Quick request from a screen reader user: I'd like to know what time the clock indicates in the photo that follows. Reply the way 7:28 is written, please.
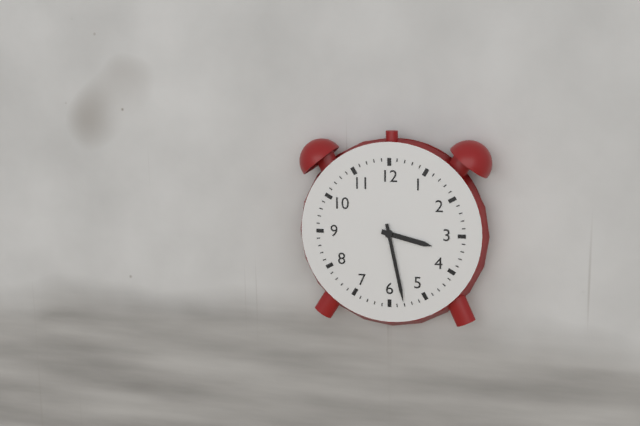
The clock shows 3:28
